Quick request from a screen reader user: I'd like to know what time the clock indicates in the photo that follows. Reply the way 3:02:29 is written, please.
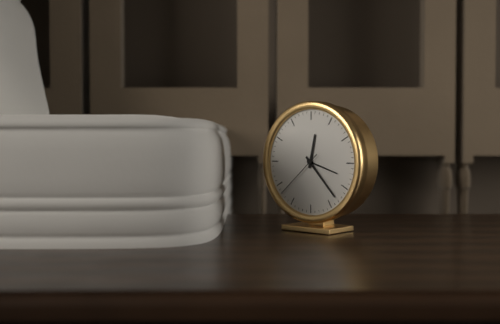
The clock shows 12:23:38
